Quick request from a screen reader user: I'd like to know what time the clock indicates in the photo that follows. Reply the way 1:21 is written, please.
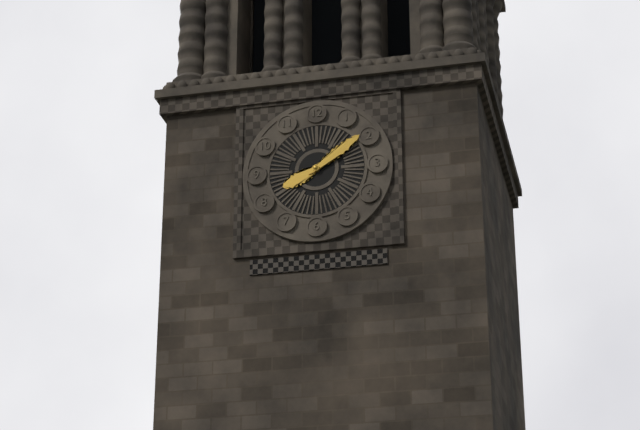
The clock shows 8:09
